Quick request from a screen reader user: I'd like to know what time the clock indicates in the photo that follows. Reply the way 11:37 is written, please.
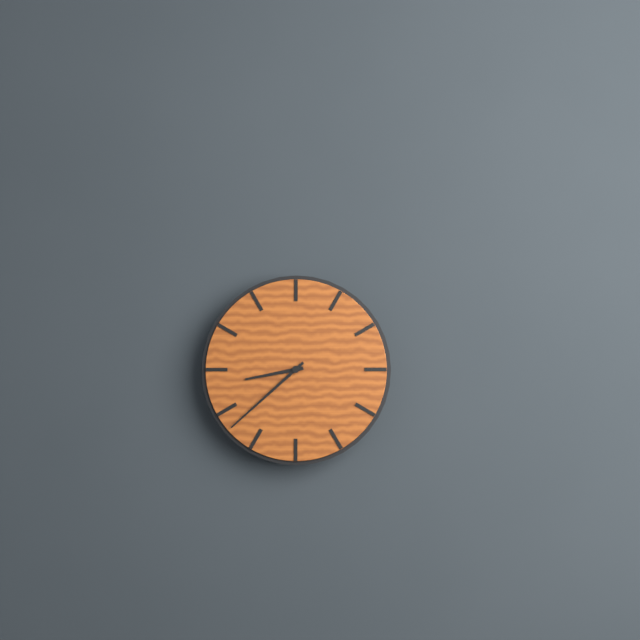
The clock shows 8:38
